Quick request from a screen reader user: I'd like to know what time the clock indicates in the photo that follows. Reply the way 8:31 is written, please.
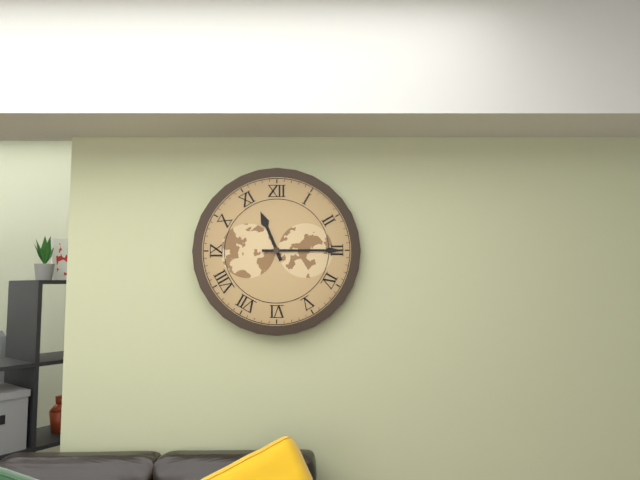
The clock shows 11:15
